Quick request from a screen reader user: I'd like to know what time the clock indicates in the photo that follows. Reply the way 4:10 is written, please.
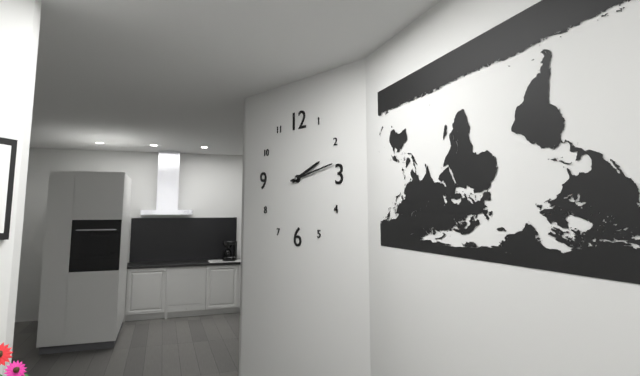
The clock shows 2:13
